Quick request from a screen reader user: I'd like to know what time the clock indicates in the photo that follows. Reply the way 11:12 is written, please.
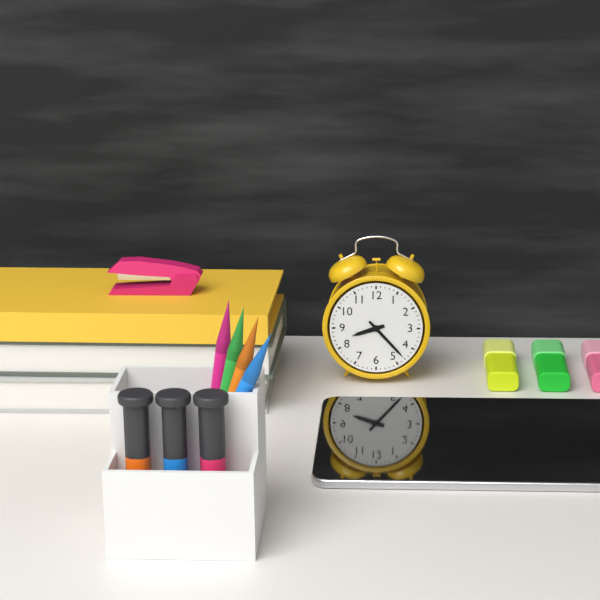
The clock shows 8:23
